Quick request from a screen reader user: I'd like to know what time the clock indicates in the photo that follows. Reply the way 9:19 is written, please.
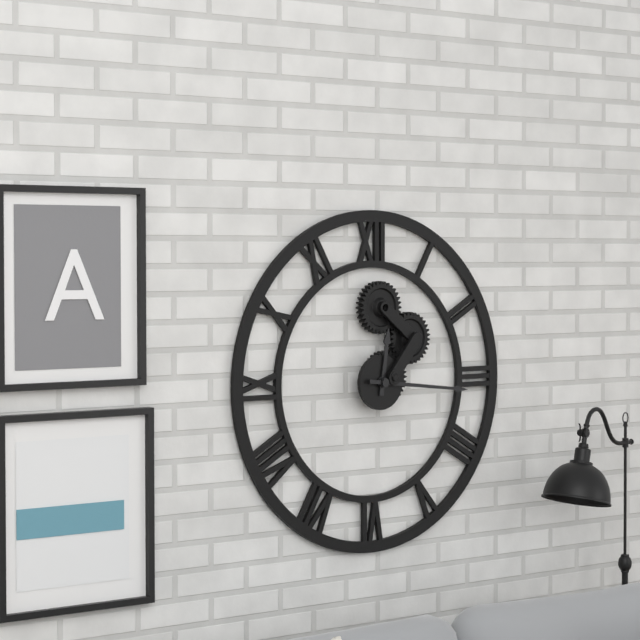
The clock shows 12:16
